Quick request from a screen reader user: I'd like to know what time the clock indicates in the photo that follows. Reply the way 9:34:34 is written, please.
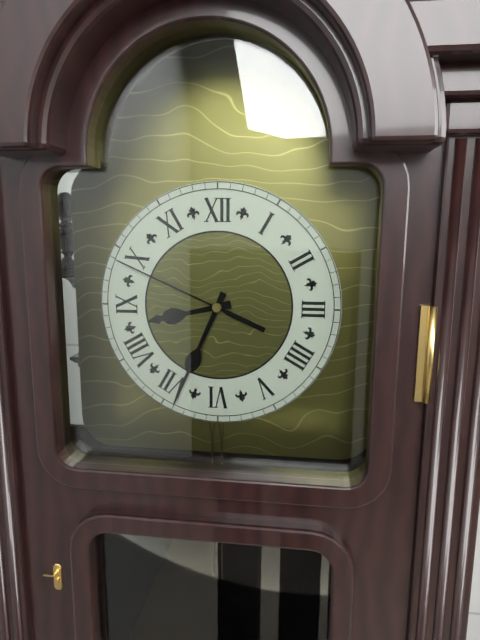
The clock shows 8:34:49
